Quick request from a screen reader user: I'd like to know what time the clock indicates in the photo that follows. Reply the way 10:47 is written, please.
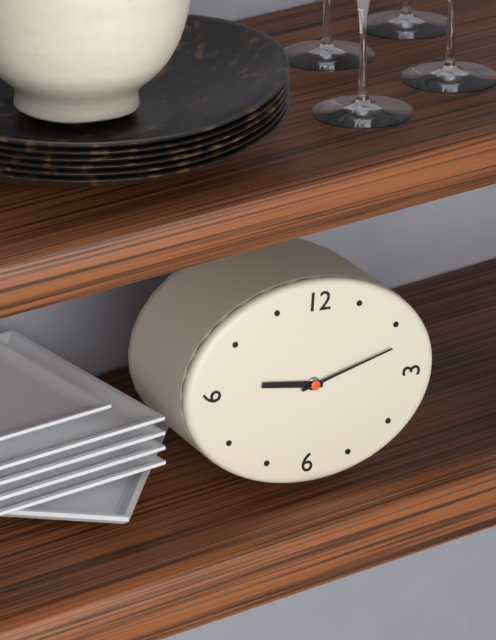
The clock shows 9:12
